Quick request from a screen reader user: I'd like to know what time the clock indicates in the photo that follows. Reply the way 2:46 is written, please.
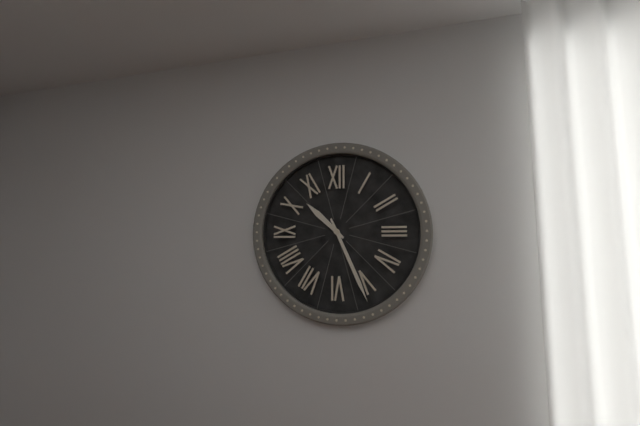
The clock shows 10:26
